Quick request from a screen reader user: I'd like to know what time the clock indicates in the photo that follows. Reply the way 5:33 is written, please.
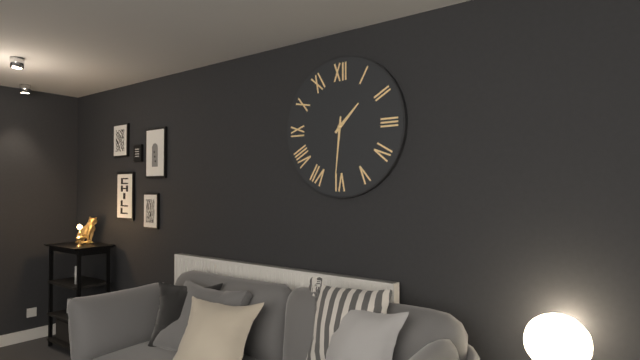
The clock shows 1:31
